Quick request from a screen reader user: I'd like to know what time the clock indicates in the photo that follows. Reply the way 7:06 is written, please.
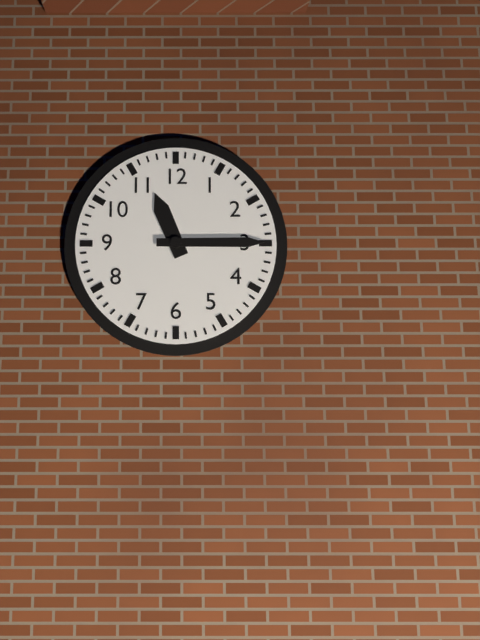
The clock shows 11:15
